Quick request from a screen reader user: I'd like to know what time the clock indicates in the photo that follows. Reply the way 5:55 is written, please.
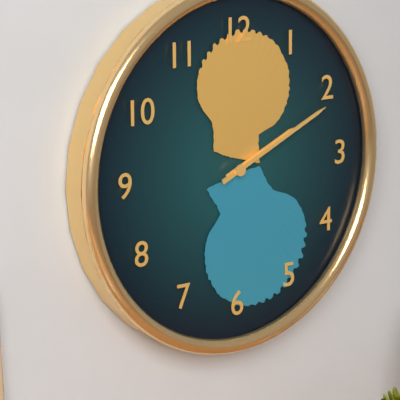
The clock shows 2:11
